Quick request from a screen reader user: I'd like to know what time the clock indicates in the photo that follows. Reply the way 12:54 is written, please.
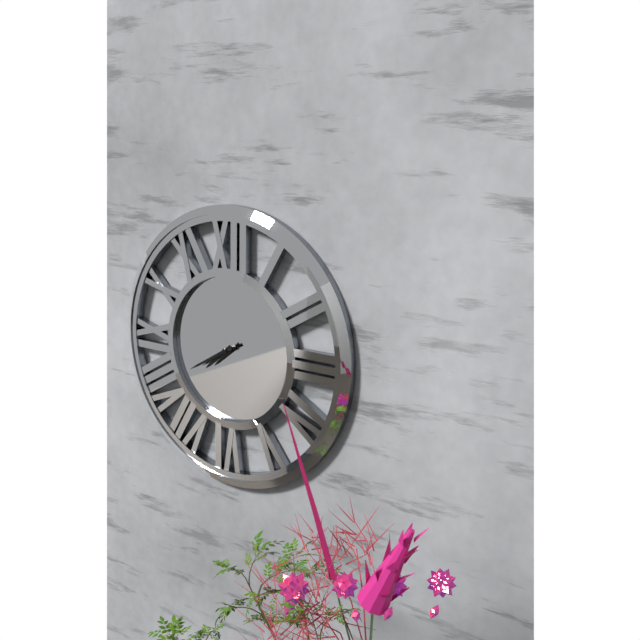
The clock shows 7:40
